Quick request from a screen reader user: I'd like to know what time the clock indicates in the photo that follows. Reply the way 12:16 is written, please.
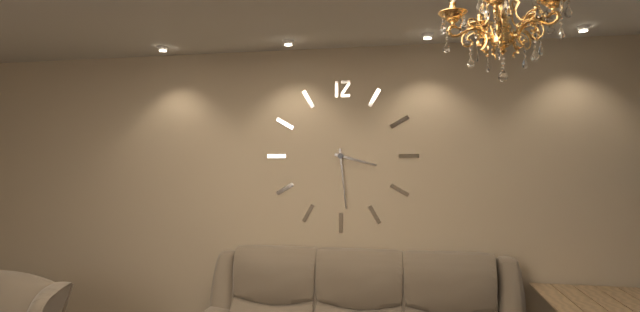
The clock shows 3:29
